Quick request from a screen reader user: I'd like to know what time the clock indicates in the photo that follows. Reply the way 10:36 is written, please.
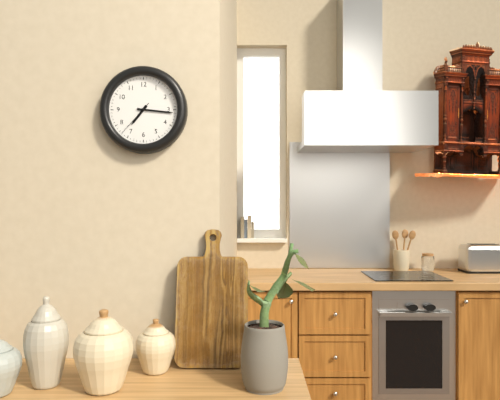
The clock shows 7:16
